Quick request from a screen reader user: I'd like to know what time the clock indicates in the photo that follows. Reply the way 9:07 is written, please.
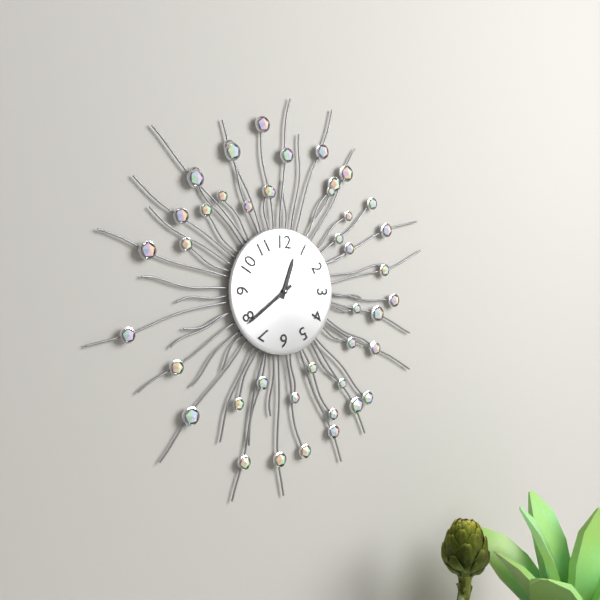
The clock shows 12:39
